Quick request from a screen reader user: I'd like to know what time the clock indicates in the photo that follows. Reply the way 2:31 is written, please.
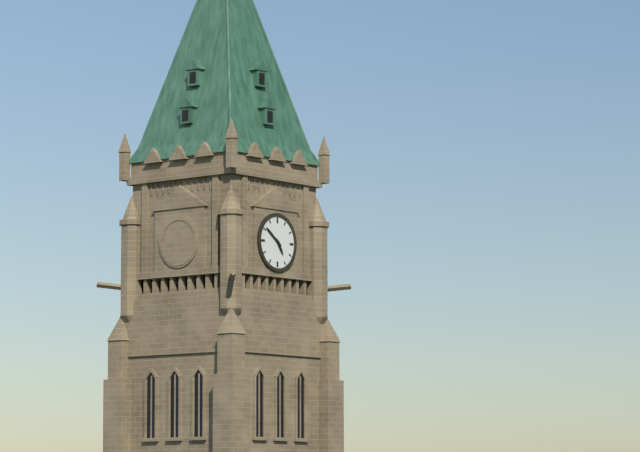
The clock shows 4:51
